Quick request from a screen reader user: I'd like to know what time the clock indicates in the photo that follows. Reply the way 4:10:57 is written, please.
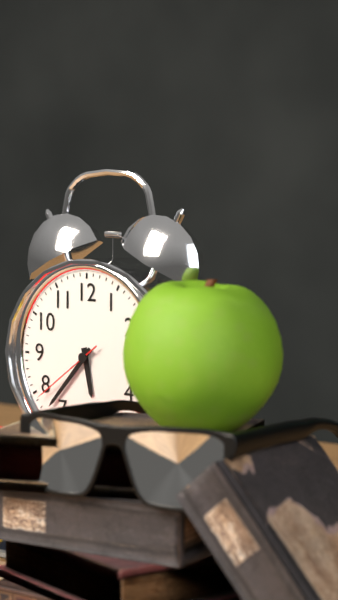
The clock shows 5:37:39
